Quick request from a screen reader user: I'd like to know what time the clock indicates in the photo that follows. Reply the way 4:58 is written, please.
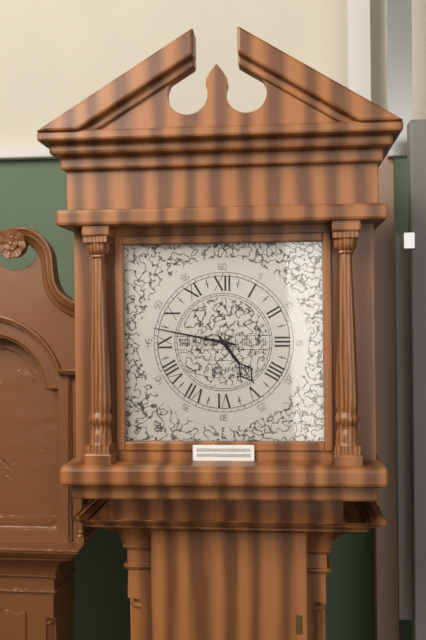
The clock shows 4:47
